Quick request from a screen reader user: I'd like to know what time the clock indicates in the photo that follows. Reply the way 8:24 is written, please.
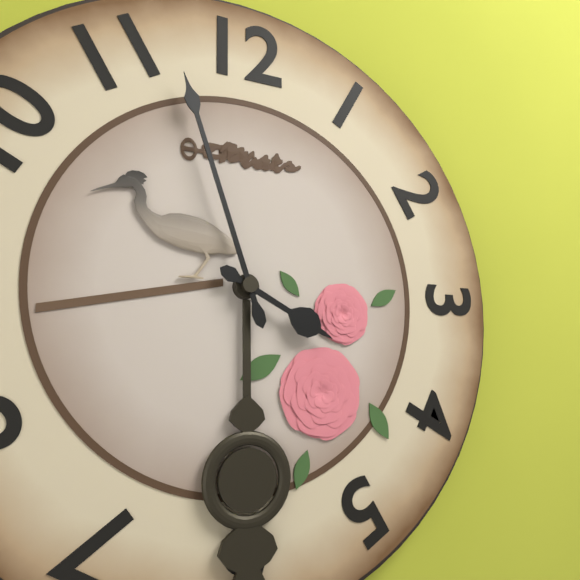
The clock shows 3:57
